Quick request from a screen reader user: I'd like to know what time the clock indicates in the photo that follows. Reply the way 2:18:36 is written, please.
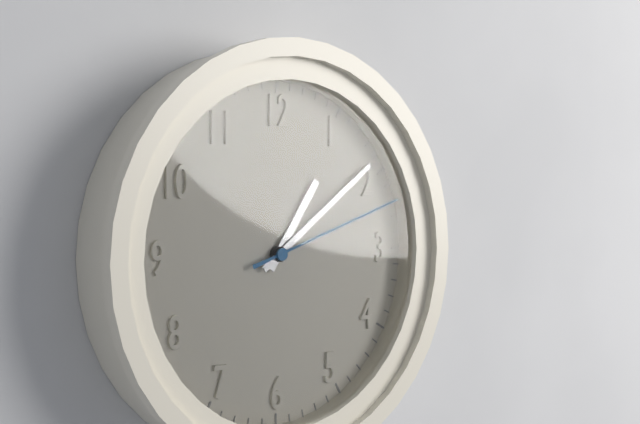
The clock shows 1:09:12
